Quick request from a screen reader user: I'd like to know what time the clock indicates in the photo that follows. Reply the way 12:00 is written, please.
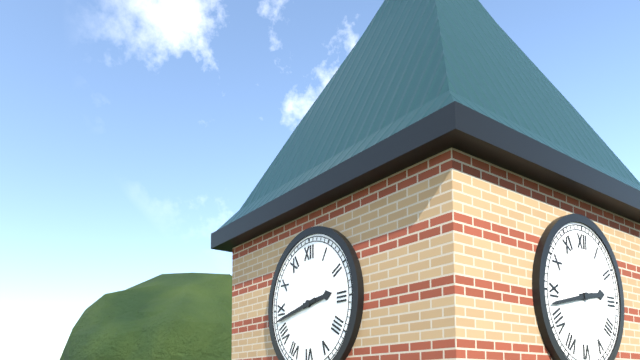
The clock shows 2:43
